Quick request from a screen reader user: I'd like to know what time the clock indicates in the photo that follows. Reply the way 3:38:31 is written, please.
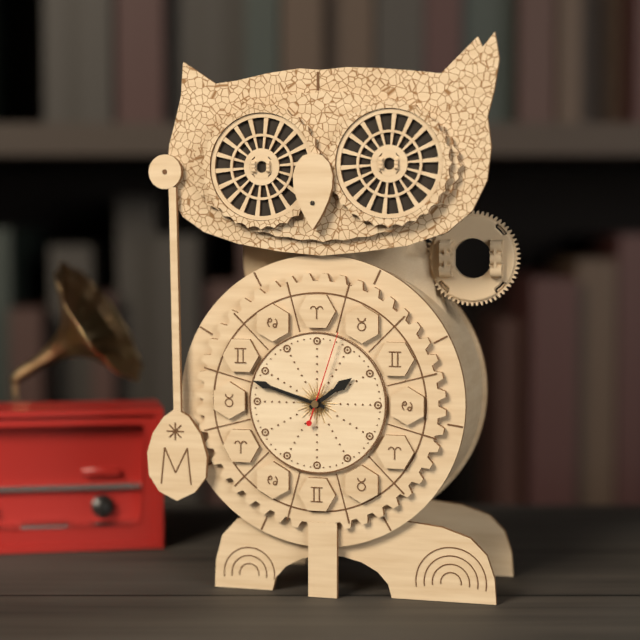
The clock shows 1:48:03
